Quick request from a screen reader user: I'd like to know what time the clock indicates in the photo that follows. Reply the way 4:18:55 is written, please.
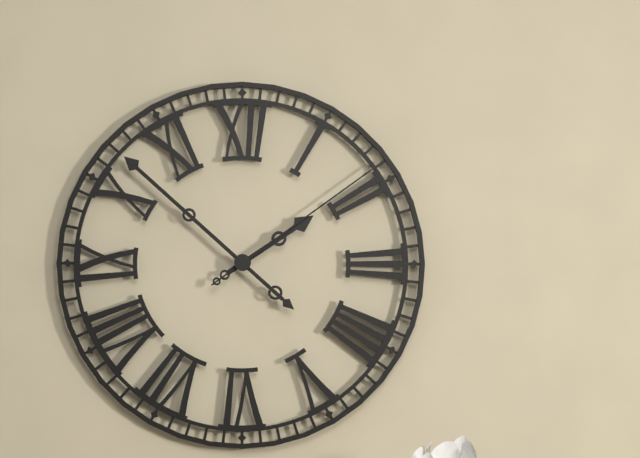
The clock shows 1:52:09
